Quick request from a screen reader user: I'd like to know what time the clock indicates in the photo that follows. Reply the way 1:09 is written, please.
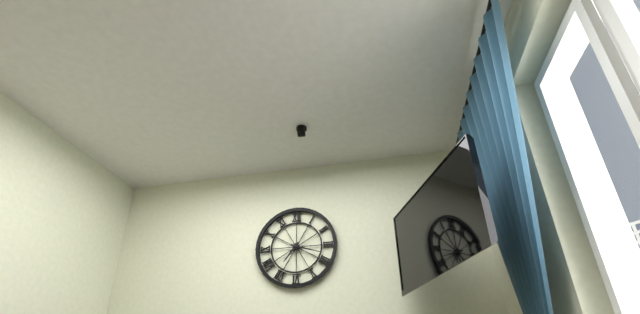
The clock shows 7:18
